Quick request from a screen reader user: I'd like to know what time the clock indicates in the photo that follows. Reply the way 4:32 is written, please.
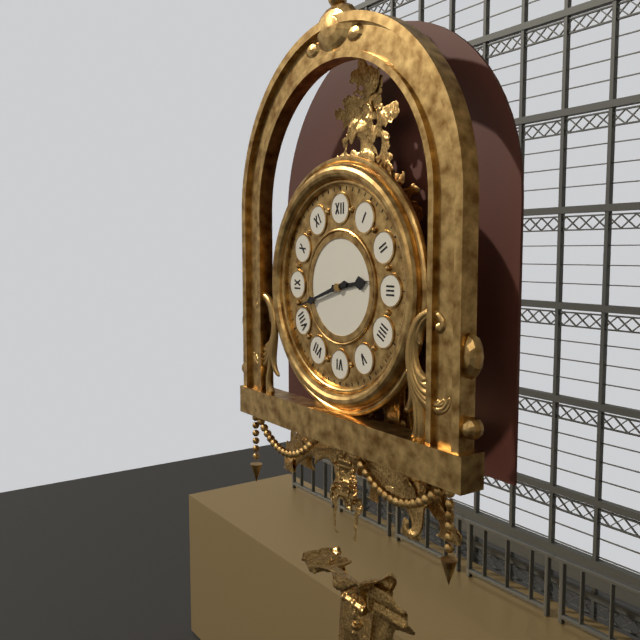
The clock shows 2:42
